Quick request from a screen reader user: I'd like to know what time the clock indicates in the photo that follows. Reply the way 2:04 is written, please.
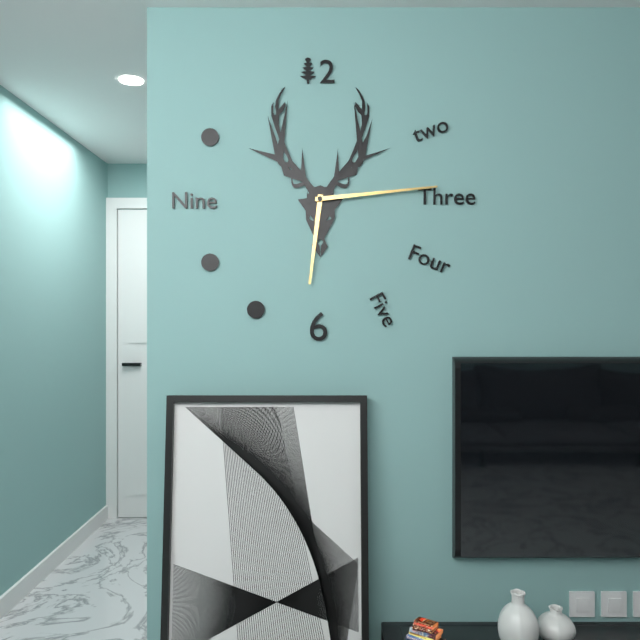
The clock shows 6:14
